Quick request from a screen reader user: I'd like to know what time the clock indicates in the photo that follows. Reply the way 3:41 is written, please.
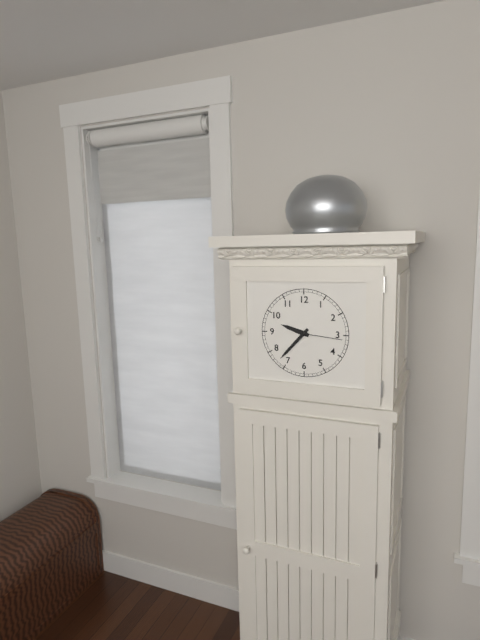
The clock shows 9:37
